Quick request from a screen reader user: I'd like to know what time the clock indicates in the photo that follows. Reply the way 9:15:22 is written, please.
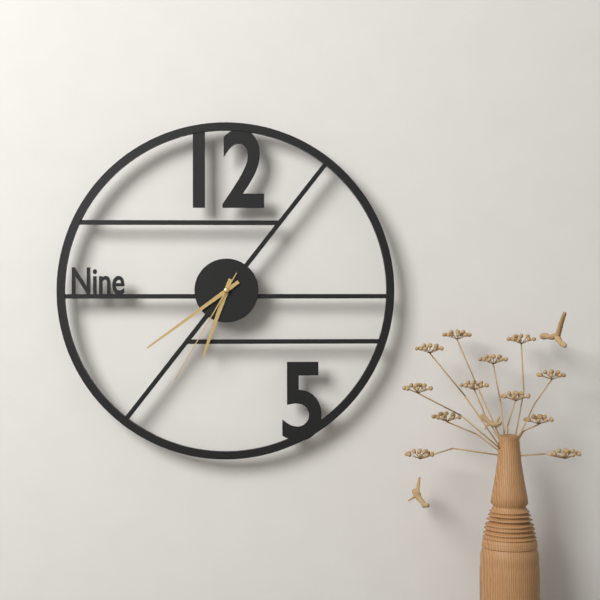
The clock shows 6:39:35
